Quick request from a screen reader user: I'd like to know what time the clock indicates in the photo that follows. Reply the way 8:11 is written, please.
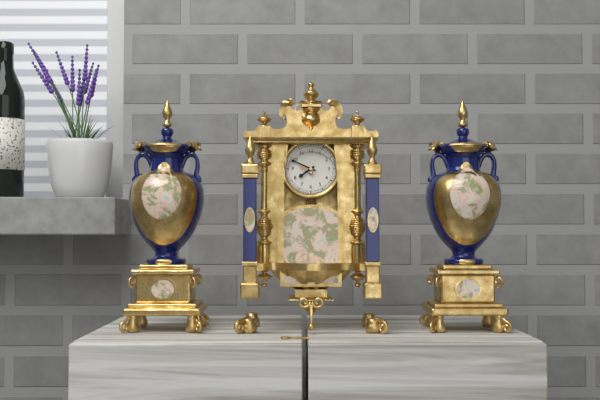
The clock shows 7:49
